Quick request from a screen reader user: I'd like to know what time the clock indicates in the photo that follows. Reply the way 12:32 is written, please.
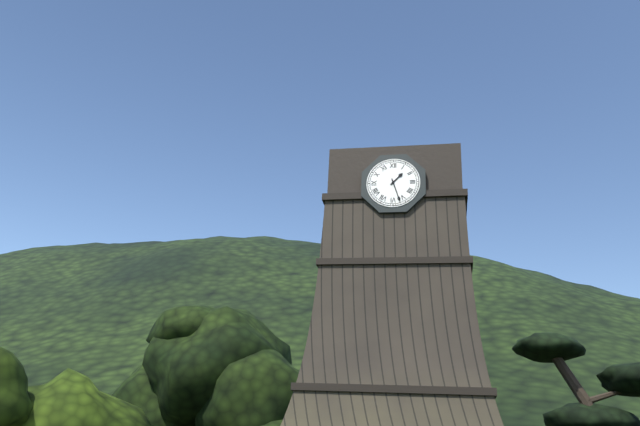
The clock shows 1:27
